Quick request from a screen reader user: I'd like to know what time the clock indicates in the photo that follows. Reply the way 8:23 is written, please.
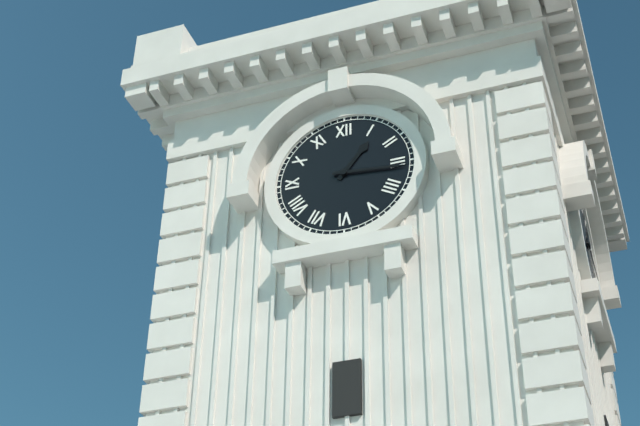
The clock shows 1:16
